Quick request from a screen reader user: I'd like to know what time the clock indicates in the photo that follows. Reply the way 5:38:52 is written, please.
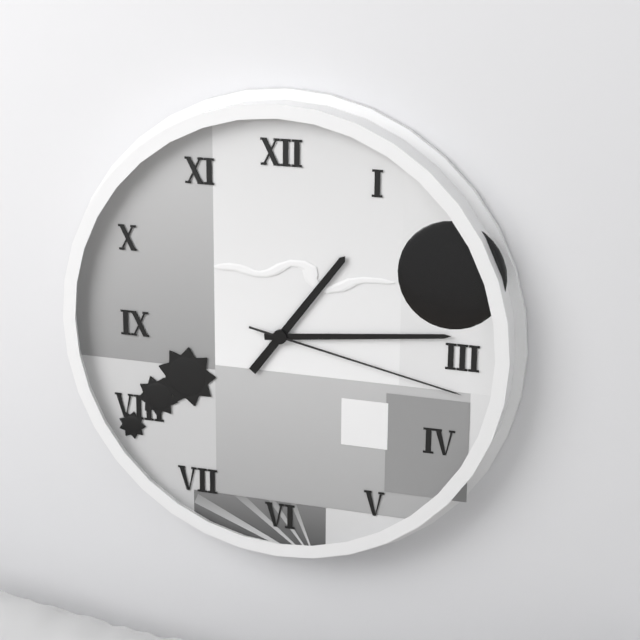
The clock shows 1:14:17
